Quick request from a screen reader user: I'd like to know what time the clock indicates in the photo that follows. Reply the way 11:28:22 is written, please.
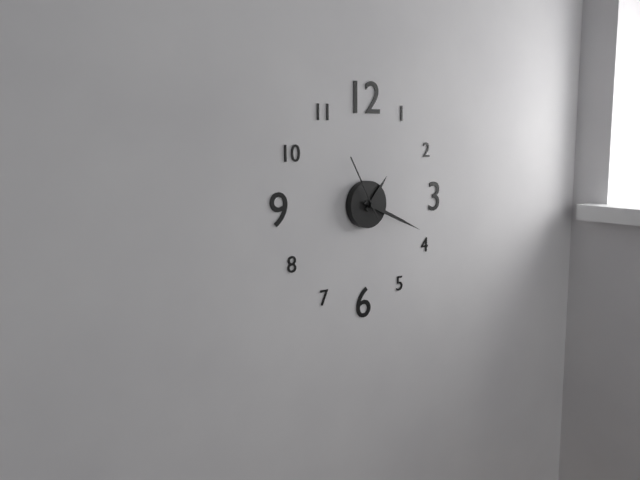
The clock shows 1:19:55
